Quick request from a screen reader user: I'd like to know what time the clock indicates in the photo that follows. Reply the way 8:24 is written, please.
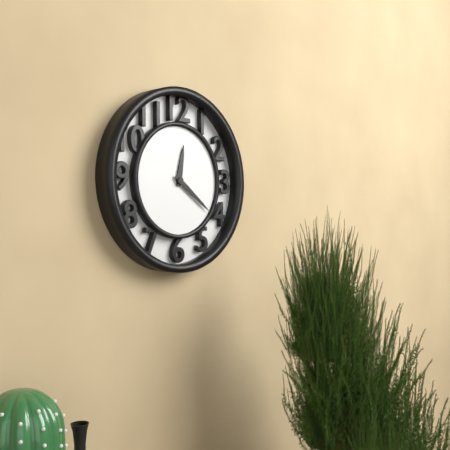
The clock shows 12:21
